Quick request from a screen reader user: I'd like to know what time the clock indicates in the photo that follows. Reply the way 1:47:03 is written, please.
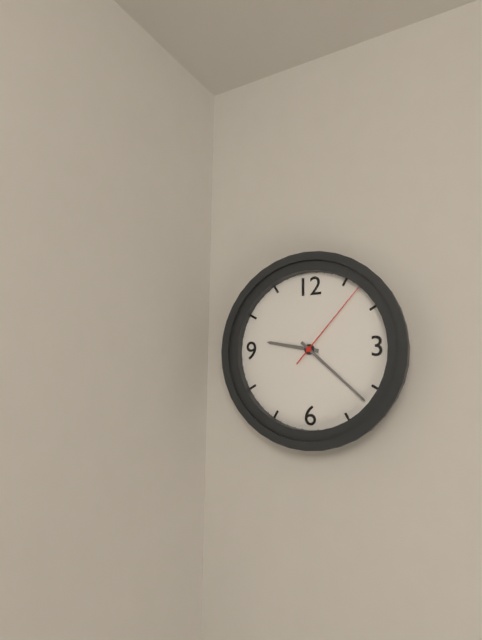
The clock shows 9:22:07
